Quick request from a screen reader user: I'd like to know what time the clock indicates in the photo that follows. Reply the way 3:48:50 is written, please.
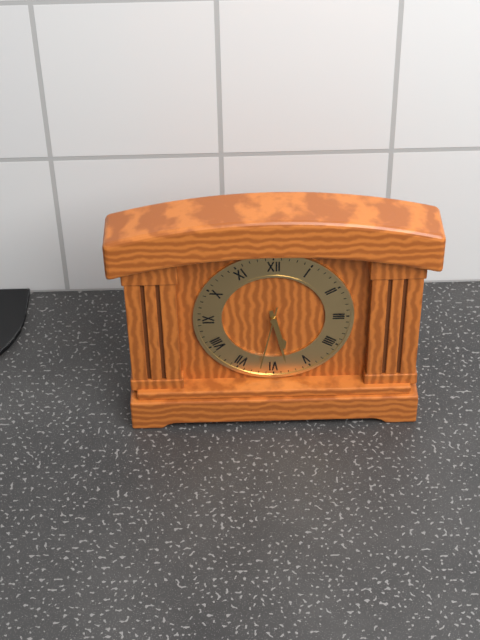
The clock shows 5:28:32
